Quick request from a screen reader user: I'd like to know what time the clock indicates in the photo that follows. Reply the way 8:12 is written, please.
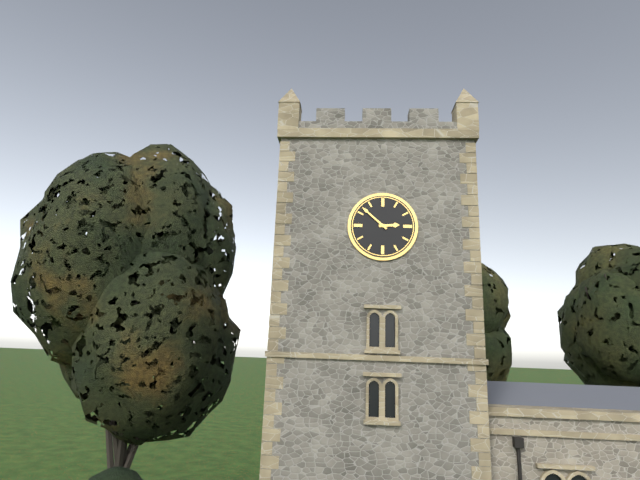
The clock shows 2:52
